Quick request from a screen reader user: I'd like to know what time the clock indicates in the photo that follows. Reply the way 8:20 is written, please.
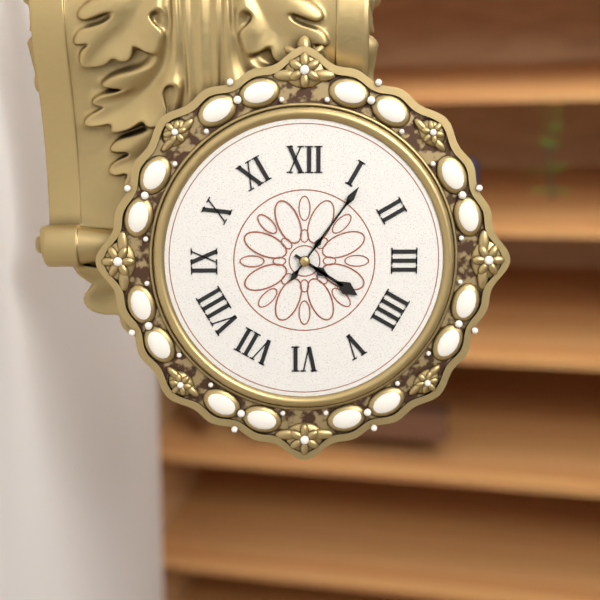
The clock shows 4:06
